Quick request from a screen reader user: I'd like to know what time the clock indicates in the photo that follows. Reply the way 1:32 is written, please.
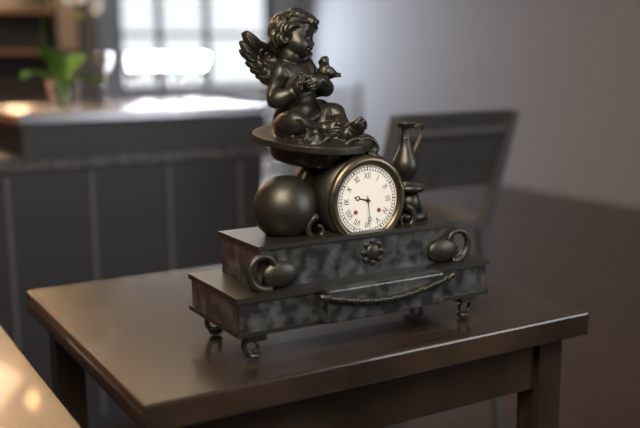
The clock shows 9:29
